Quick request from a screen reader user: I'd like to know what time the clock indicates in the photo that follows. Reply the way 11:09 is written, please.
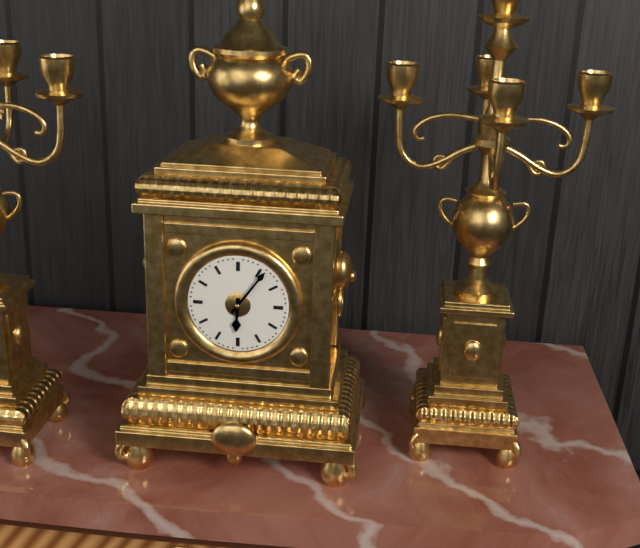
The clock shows 6:06
